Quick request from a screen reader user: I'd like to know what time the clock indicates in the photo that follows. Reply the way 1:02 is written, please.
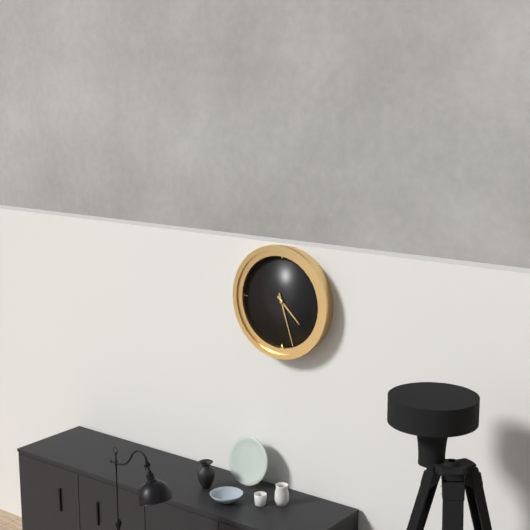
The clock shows 4:27
